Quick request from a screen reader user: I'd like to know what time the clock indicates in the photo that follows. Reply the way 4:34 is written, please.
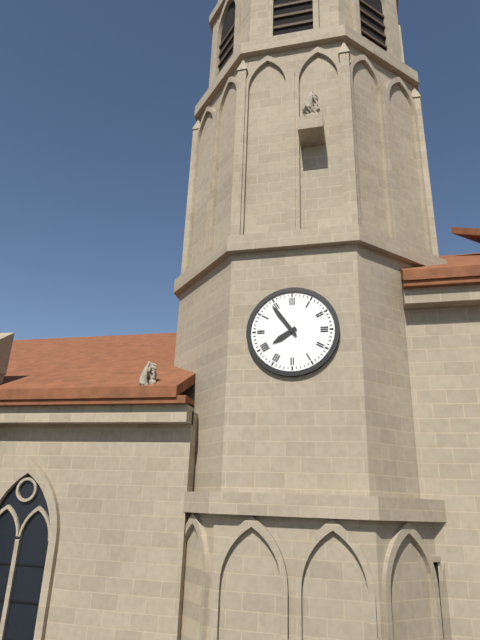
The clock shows 7:54
